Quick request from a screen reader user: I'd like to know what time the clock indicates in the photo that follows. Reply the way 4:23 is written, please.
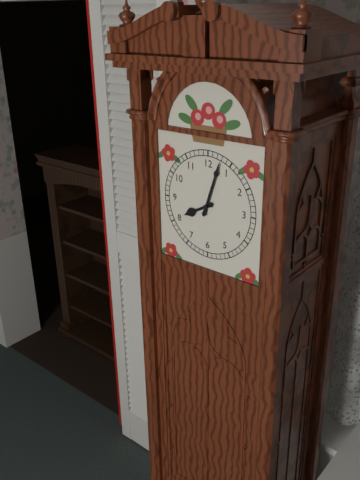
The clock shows 8:03
